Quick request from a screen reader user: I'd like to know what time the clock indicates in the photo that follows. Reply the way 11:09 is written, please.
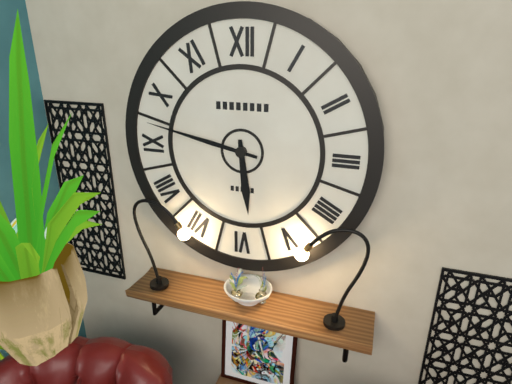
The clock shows 5:47
